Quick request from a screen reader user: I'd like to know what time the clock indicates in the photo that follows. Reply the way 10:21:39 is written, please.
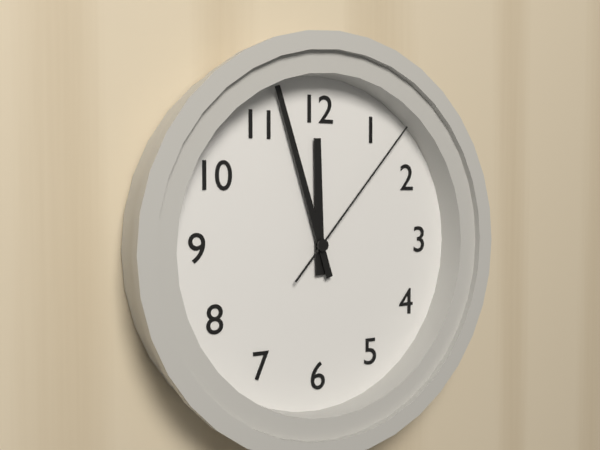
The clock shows 11:57:07
